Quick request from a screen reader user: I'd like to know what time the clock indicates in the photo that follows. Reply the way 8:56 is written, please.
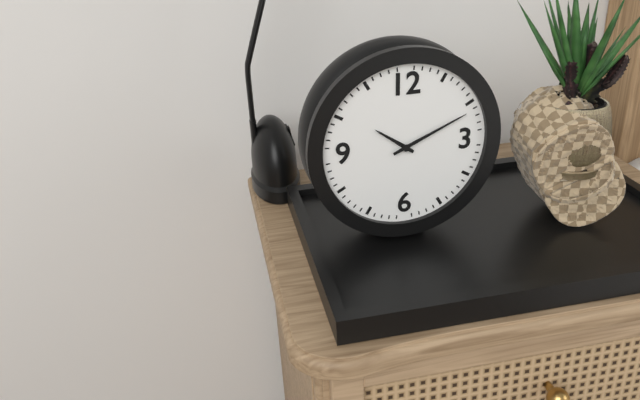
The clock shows 10:11
